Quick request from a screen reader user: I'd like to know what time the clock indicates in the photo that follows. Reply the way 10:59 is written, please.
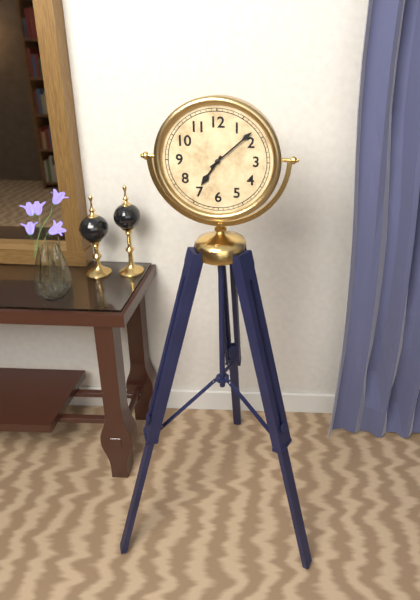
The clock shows 7:08
